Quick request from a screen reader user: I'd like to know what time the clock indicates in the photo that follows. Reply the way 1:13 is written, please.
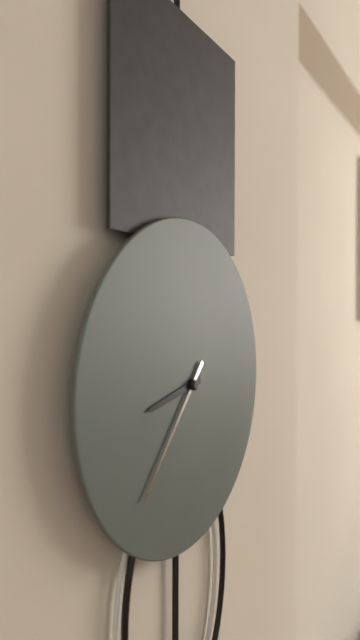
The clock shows 8:37
